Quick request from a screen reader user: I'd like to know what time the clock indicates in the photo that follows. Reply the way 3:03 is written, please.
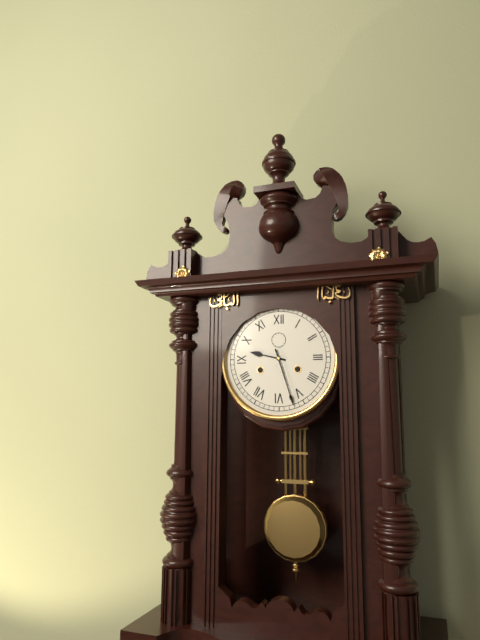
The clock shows 9:27
